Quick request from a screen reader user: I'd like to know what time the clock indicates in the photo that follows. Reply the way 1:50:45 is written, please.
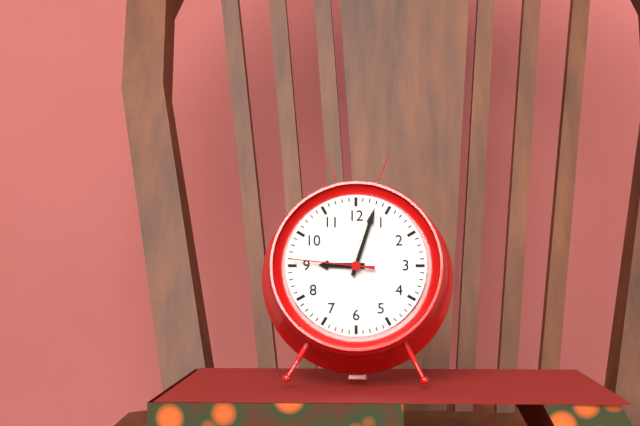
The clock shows 9:03:46
